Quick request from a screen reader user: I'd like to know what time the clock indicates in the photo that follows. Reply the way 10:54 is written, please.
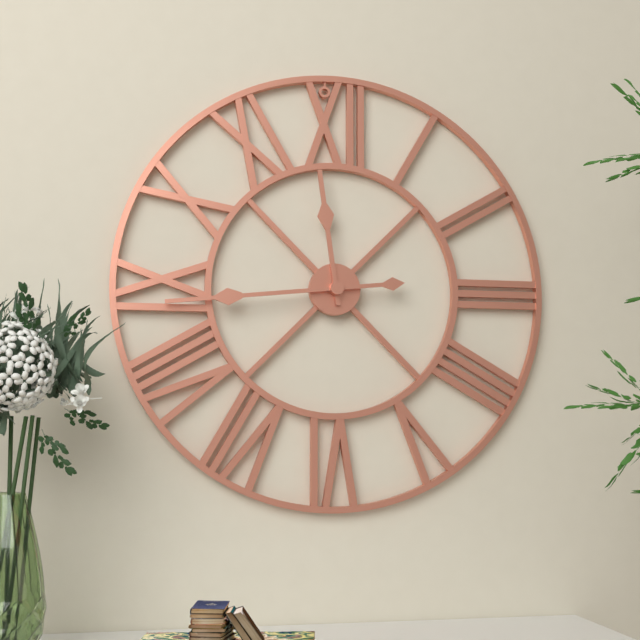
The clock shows 11:44
